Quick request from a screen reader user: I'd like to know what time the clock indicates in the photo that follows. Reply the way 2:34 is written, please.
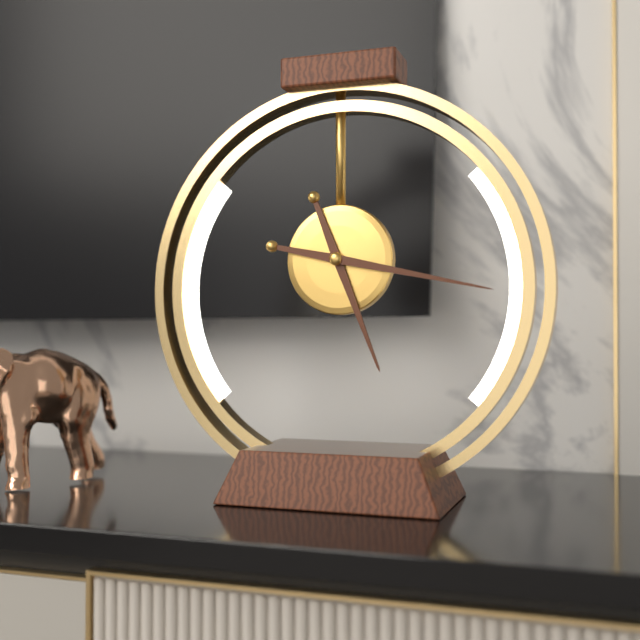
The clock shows 5:17
